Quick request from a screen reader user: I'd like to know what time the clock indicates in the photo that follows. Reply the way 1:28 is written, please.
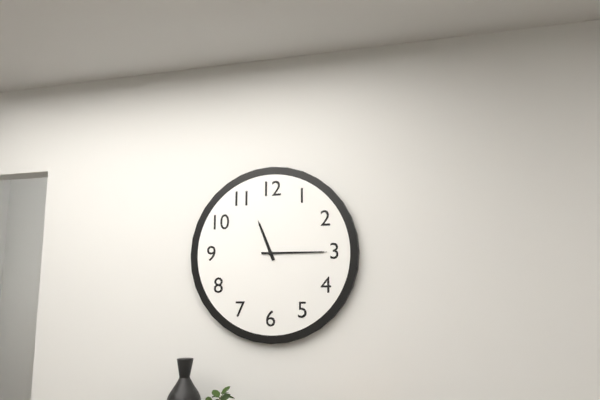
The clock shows 11:15
